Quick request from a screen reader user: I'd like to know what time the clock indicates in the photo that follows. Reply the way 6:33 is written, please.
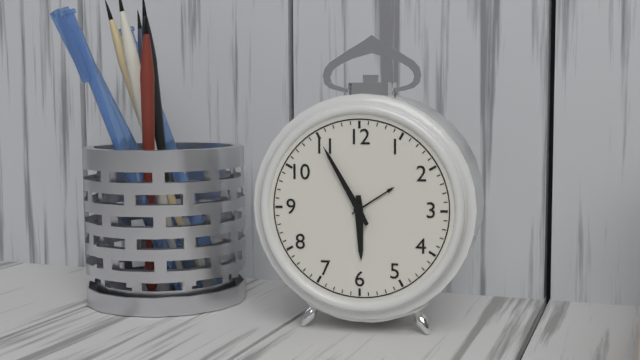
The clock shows 5:55
